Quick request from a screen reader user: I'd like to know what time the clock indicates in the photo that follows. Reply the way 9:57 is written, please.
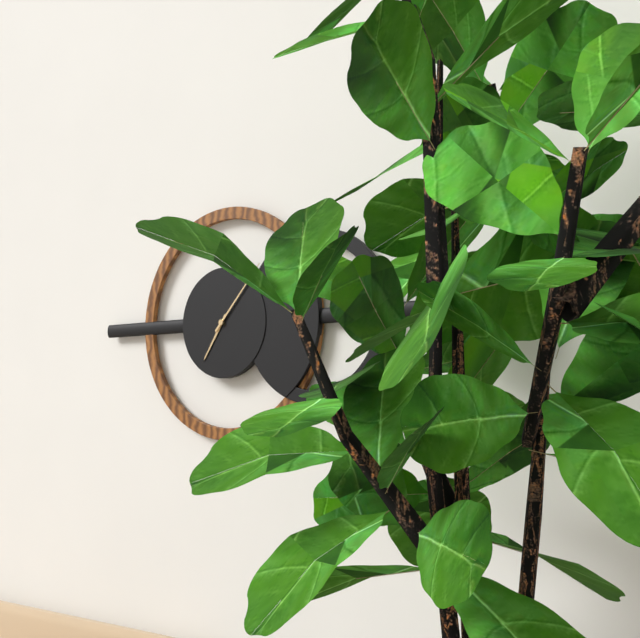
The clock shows 7:07
